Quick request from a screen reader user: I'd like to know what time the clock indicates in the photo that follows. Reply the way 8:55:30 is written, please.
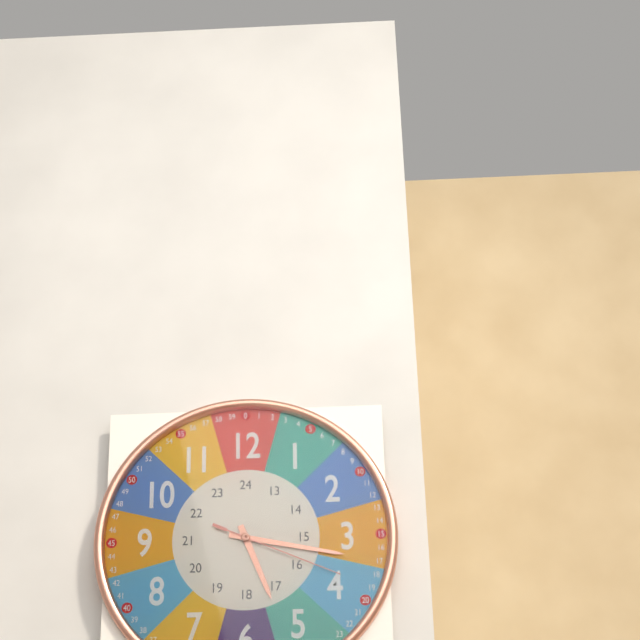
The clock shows 5:17:19
